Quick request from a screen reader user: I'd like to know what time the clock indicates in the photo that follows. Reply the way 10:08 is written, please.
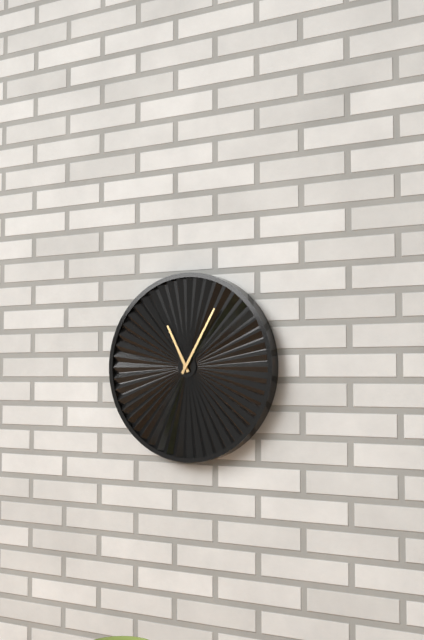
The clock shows 11:05
